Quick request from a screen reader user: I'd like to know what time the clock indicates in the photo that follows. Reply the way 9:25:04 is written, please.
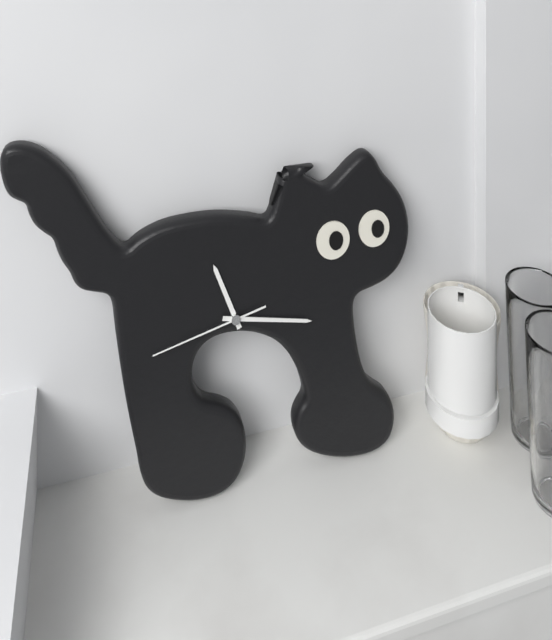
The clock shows 11:17:43
